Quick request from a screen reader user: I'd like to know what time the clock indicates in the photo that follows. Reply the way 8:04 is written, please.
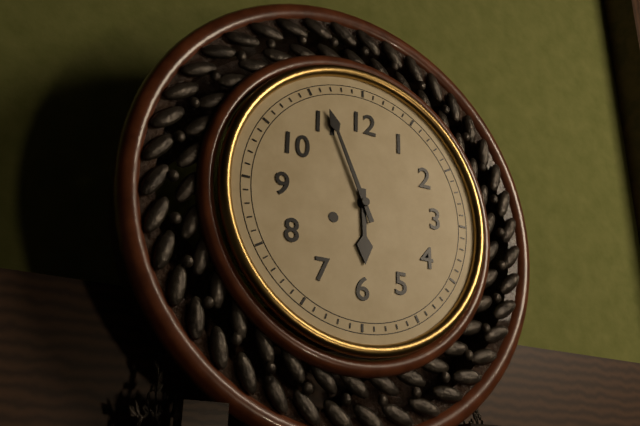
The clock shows 5:56
